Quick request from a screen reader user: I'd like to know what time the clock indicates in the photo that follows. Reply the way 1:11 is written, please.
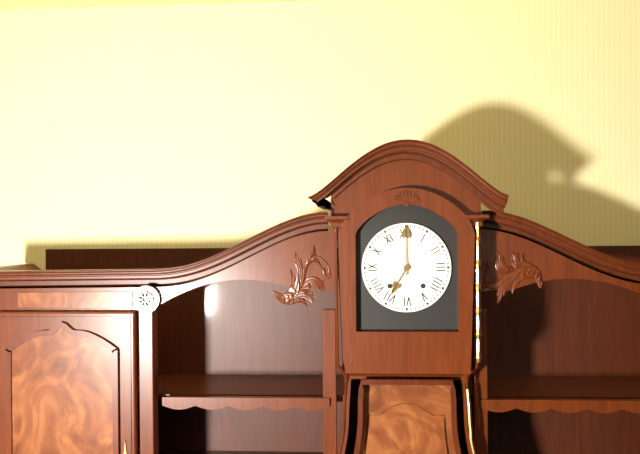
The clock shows 7:00
